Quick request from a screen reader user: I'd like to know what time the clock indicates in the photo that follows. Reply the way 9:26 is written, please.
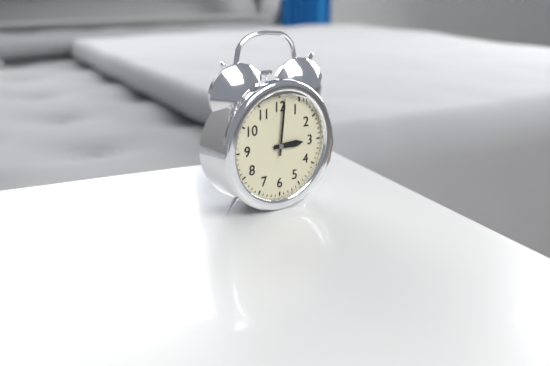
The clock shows 3:01
